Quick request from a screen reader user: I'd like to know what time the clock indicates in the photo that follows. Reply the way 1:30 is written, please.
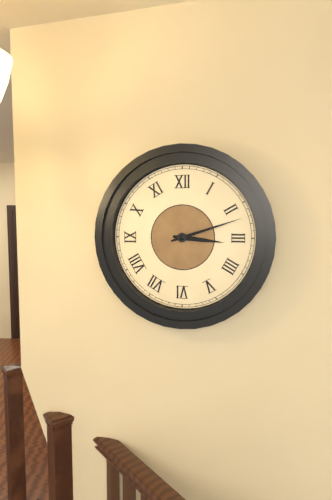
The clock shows 3:12
